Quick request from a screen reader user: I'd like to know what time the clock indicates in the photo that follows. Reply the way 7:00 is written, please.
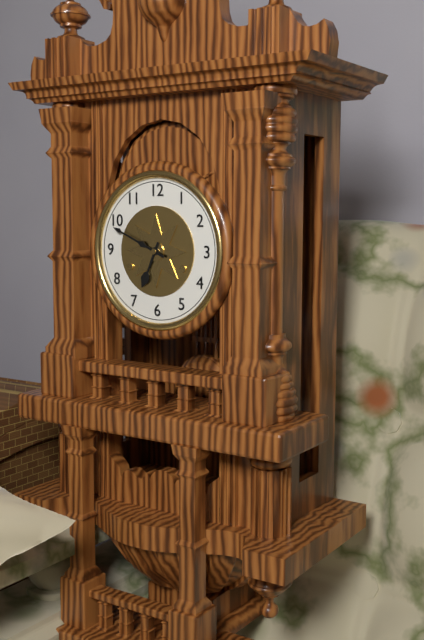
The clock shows 6:49
